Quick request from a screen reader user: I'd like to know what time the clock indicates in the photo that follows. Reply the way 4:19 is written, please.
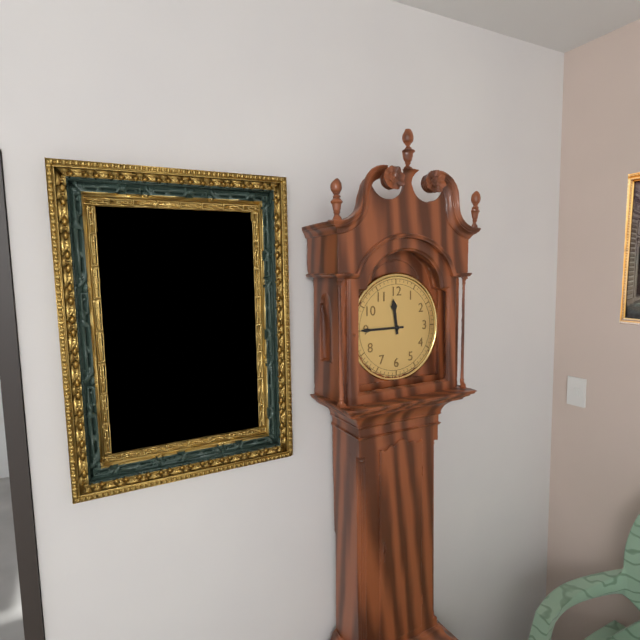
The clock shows 11:45
